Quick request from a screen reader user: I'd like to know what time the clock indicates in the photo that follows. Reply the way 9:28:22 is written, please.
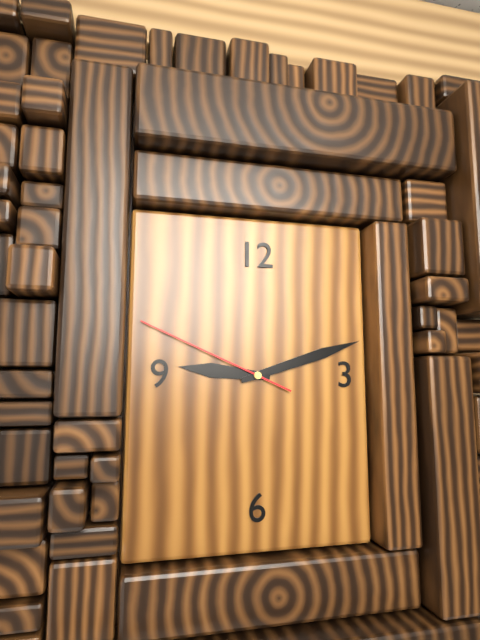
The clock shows 9:12:49
